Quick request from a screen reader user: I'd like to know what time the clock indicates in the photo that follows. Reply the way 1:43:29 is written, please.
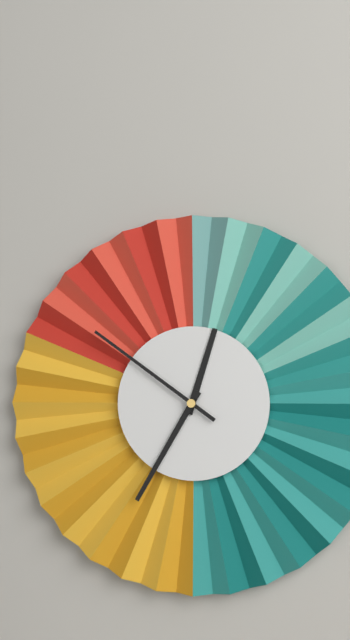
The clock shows 12:35:51
